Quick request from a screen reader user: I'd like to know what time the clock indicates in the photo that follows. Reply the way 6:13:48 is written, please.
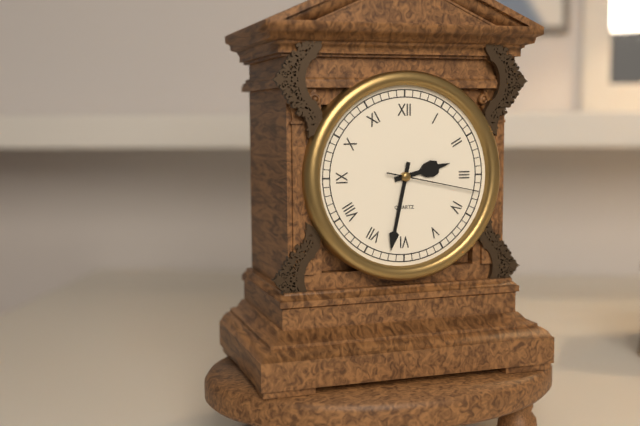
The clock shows 2:32:17
